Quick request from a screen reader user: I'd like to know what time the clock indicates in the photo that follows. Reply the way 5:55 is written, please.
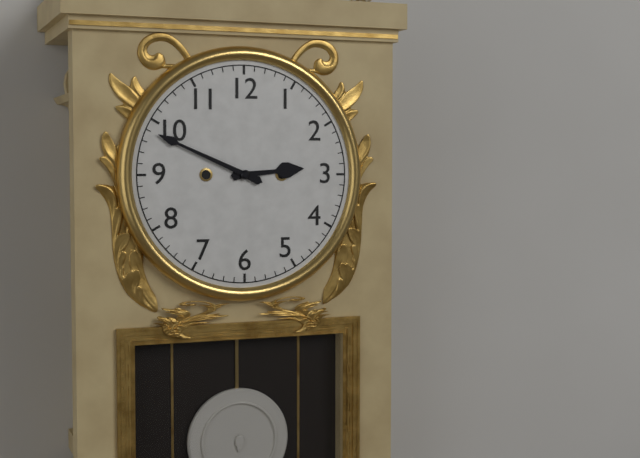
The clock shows 2:49
